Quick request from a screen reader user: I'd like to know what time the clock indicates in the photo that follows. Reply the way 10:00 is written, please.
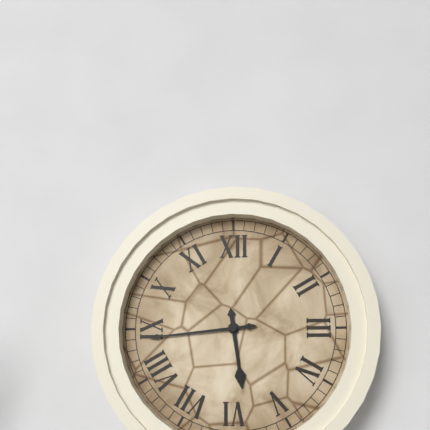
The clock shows 5:44
